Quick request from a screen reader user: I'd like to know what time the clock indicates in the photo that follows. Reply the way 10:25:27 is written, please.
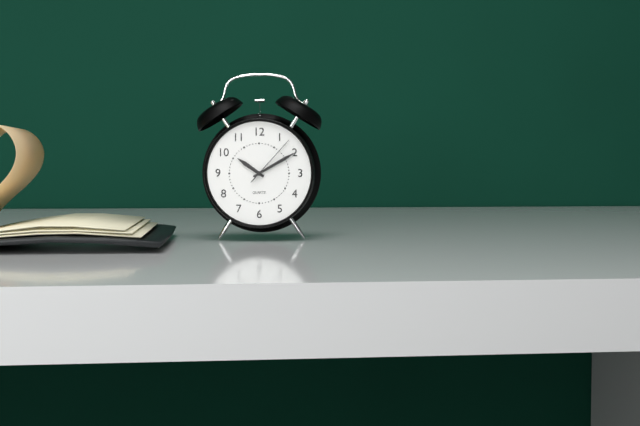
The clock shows 10:10:07
